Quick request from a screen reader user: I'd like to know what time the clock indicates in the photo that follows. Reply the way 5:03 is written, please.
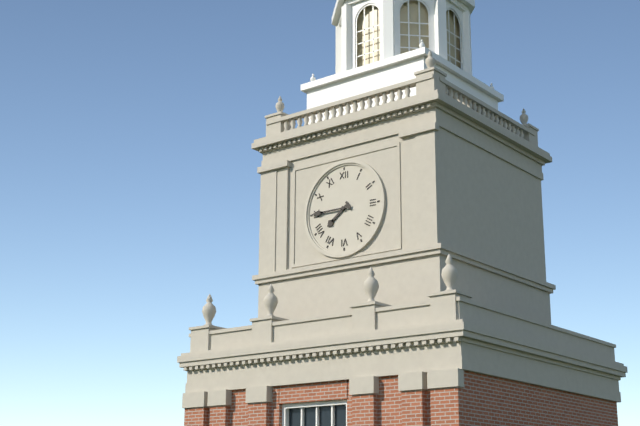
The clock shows 7:45
